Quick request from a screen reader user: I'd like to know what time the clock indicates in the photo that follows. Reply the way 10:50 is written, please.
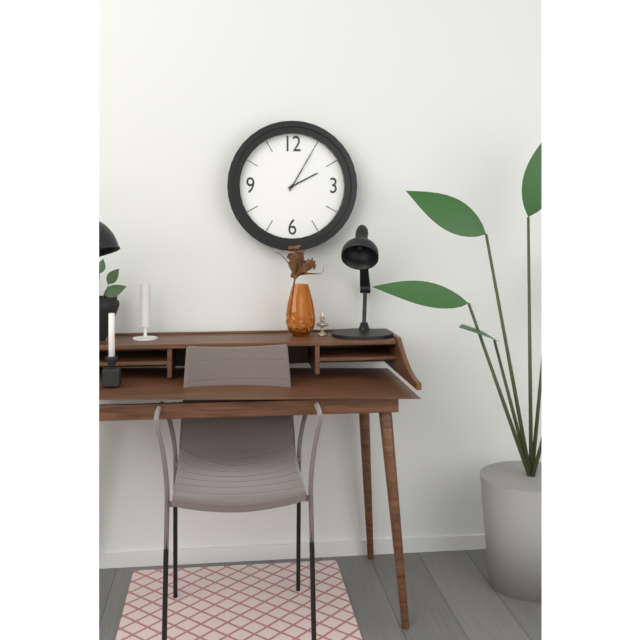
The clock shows 2:05
